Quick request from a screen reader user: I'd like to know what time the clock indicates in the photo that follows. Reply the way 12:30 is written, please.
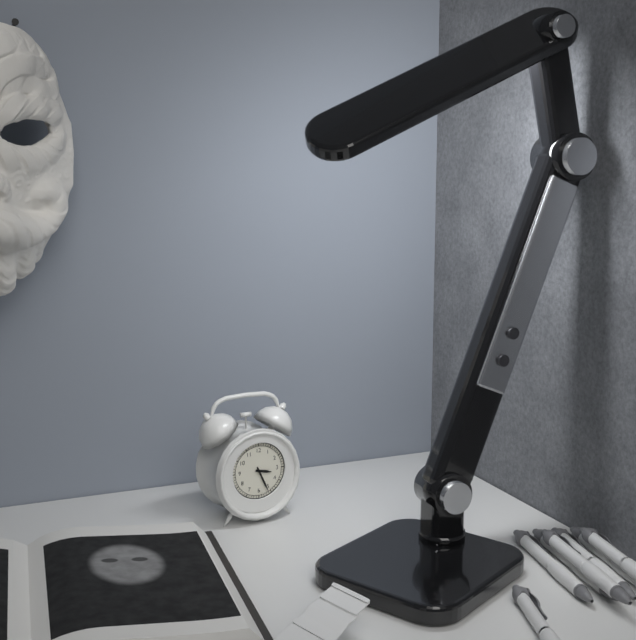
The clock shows 3:26
